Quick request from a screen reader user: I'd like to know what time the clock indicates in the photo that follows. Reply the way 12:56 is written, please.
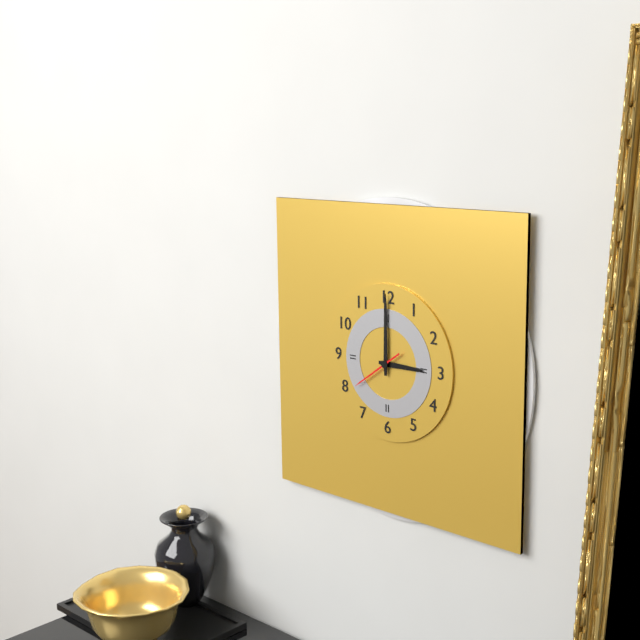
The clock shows 3:00
